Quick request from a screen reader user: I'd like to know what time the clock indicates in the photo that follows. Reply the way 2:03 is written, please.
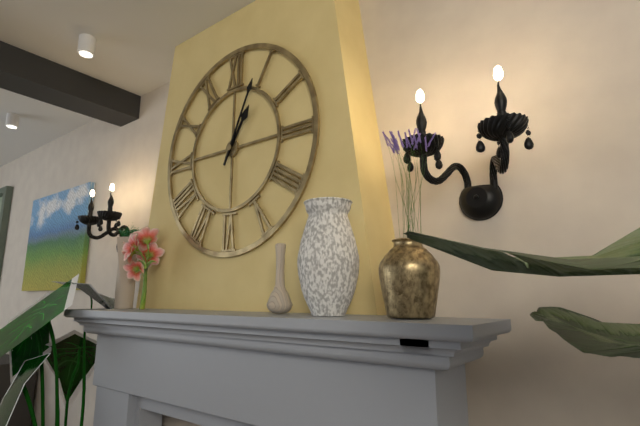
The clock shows 1:04
